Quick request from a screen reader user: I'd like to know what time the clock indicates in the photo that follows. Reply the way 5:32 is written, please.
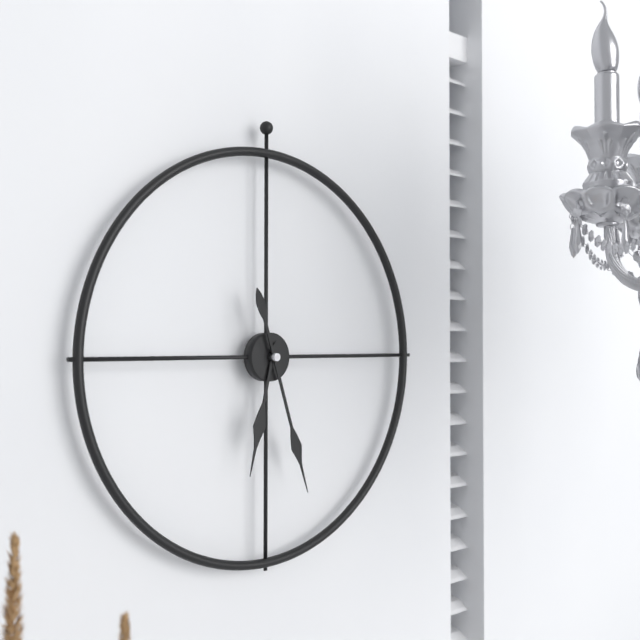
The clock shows 6:27
